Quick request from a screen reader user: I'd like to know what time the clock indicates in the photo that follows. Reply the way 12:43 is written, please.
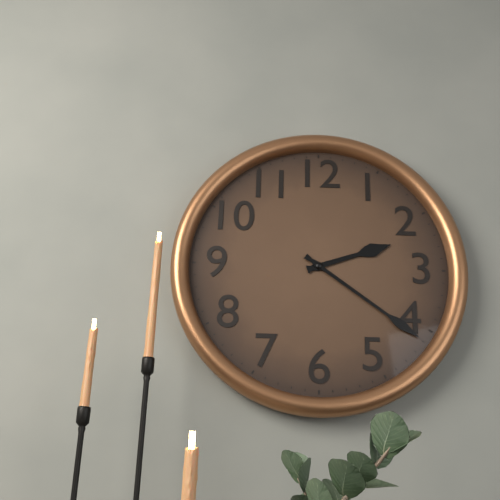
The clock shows 2:21
